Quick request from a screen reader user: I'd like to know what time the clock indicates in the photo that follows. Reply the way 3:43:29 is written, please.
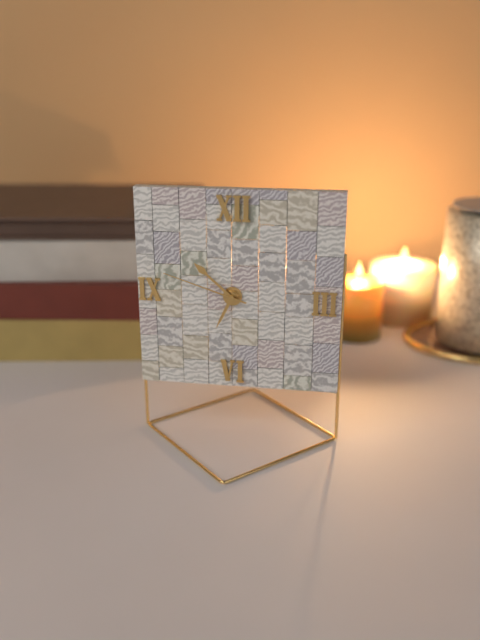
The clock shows 6:52:48
